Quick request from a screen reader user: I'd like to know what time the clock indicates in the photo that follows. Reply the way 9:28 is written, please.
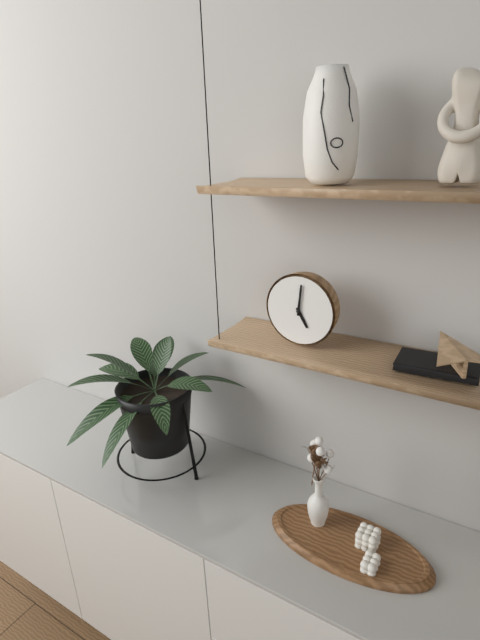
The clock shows 5:01
